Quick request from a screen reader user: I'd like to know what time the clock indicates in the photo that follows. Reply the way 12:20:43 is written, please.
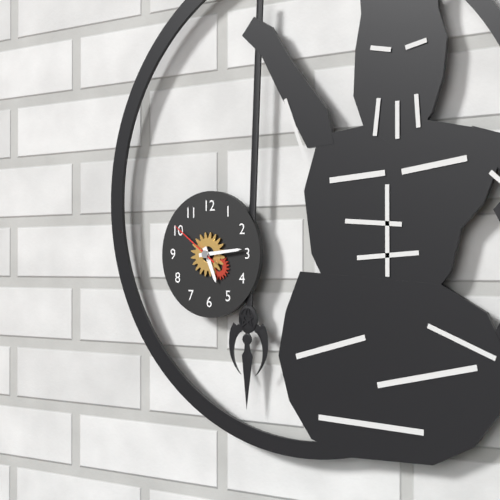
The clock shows 5:14:51
